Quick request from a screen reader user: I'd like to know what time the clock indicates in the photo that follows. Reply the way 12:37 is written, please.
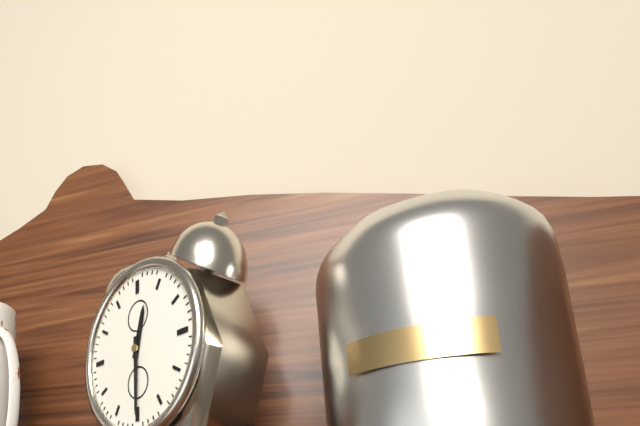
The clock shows 12:30
